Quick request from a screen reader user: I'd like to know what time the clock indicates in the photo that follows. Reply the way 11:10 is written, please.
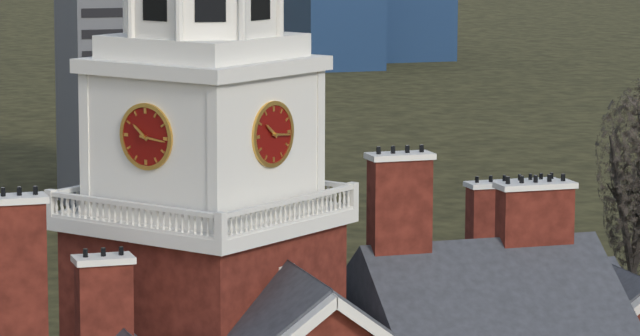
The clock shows 10:16
